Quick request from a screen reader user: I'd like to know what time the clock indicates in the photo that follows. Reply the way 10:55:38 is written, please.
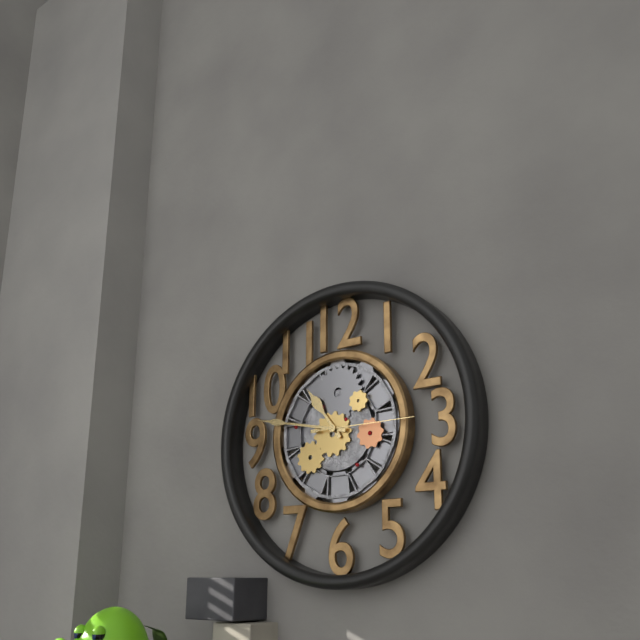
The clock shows 10:47:15
